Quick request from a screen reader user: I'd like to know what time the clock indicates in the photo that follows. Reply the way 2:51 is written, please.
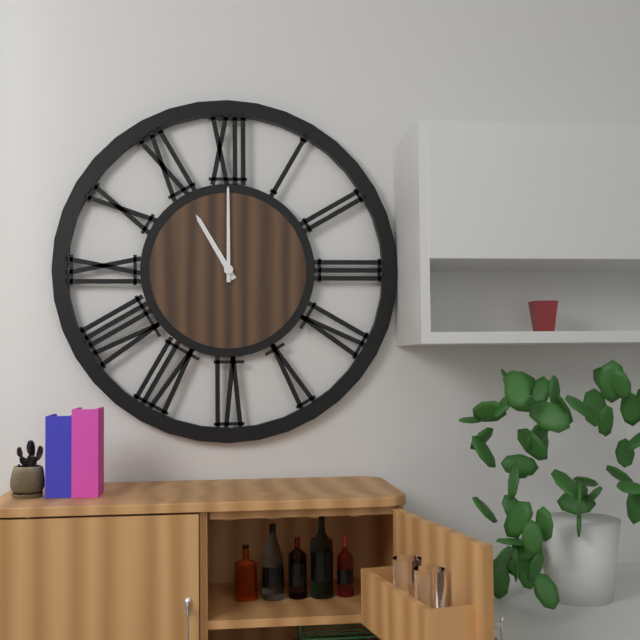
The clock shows 11:00
